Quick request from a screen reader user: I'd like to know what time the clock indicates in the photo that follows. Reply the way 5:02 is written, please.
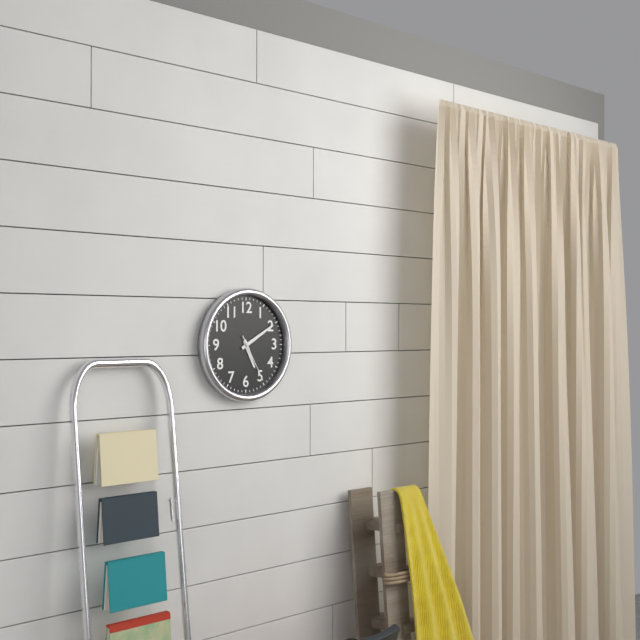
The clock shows 5:10
